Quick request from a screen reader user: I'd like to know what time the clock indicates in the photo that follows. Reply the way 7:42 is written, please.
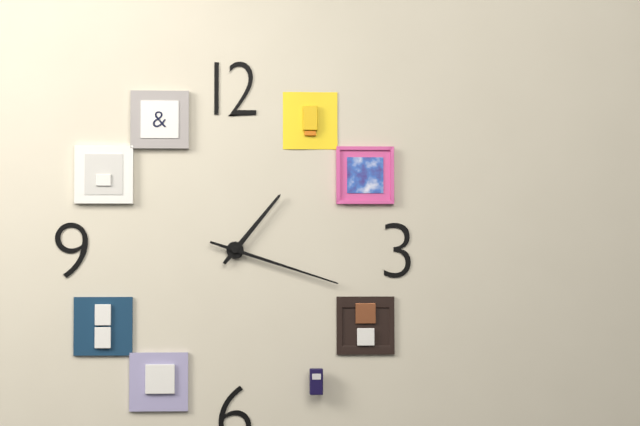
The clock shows 1:18
